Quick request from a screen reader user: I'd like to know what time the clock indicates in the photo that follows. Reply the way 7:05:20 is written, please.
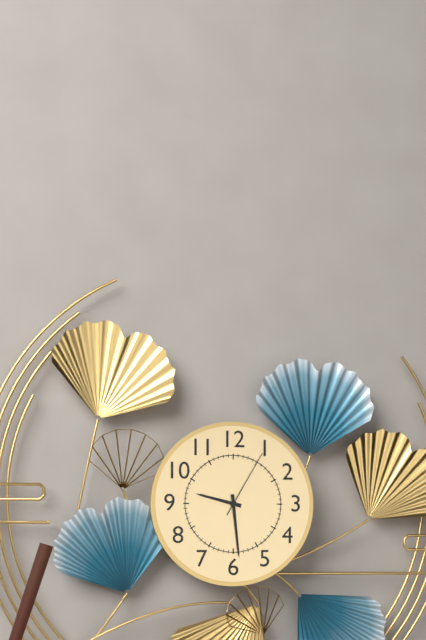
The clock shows 9:29:05
